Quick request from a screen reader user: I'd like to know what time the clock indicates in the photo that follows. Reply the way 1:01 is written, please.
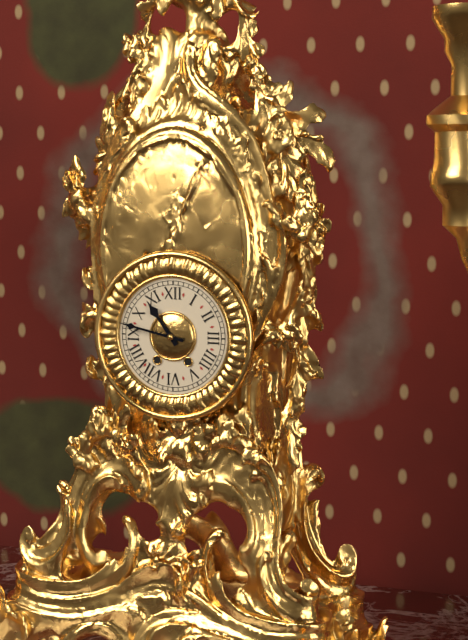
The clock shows 10:47
